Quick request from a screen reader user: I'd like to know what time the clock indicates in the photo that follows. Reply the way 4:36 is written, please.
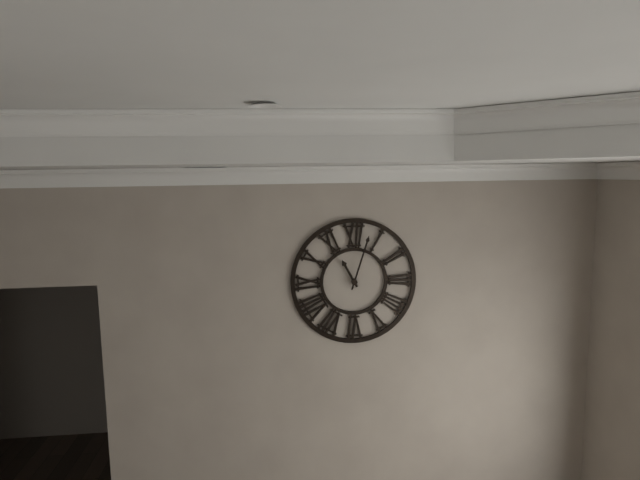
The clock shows 11:03
